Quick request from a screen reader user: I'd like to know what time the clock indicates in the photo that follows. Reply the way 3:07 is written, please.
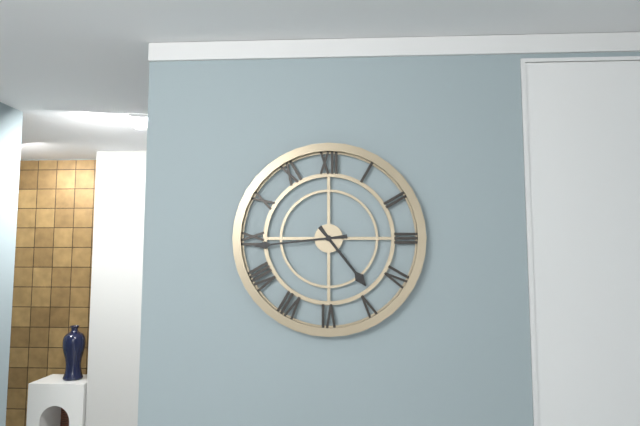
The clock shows 4:44
